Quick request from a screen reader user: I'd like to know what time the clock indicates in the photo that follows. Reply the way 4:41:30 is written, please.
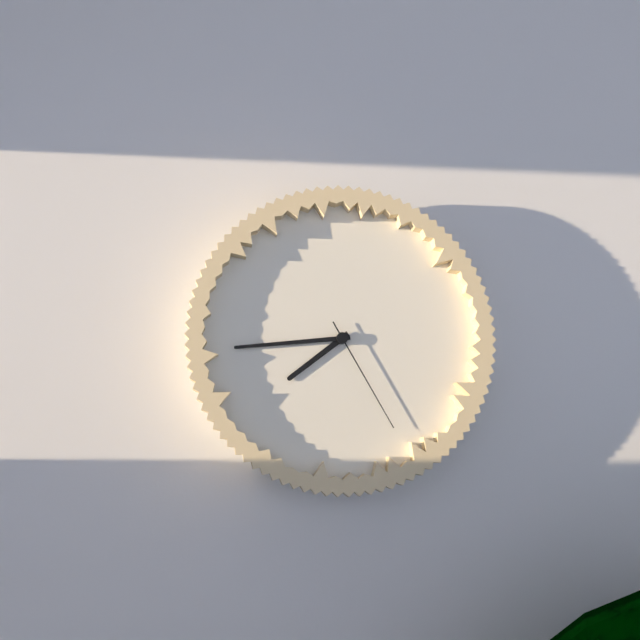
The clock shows 7:44:25
